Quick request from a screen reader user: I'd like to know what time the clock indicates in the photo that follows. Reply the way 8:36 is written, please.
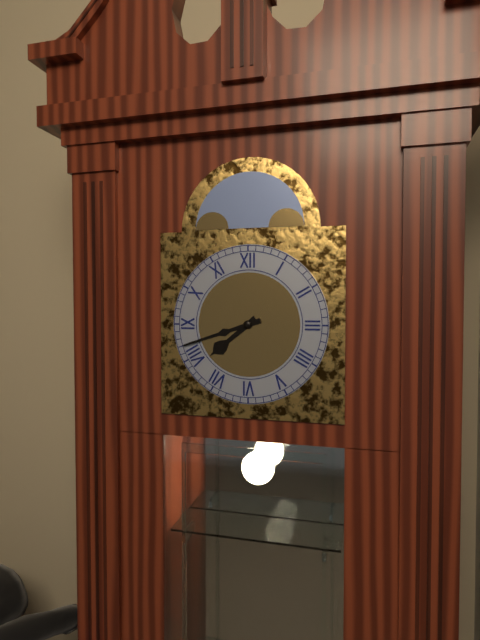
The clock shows 7:42
